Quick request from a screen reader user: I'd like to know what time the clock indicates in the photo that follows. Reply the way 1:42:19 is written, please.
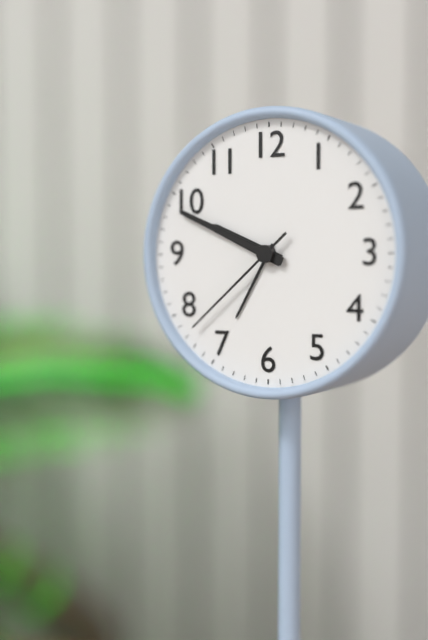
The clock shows 9:49:38
